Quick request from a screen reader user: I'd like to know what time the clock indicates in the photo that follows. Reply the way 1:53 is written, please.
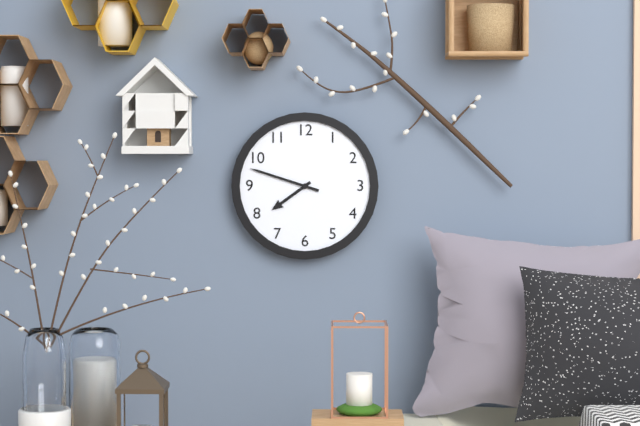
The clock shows 7:48
